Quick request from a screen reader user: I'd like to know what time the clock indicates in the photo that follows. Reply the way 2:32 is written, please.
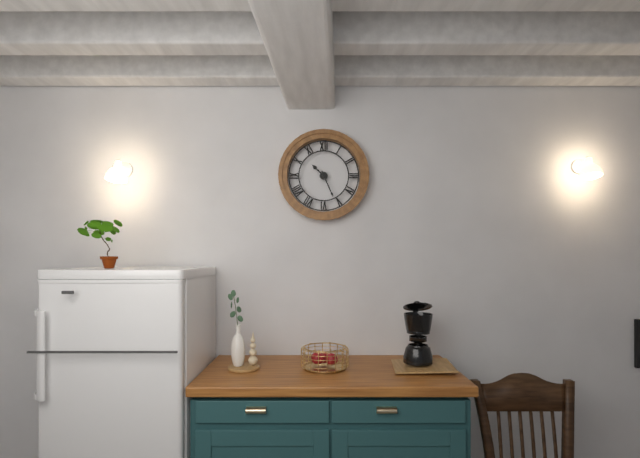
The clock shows 10:26
